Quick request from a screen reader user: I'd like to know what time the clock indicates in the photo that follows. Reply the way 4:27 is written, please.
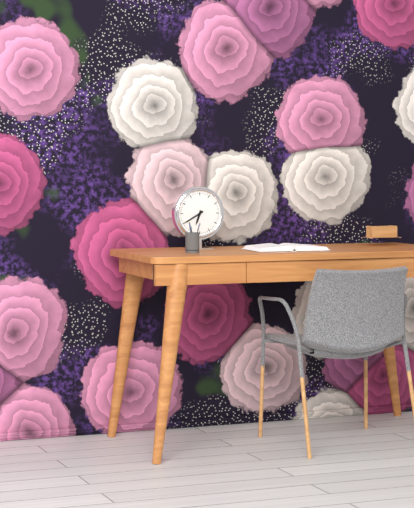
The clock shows 6:40
